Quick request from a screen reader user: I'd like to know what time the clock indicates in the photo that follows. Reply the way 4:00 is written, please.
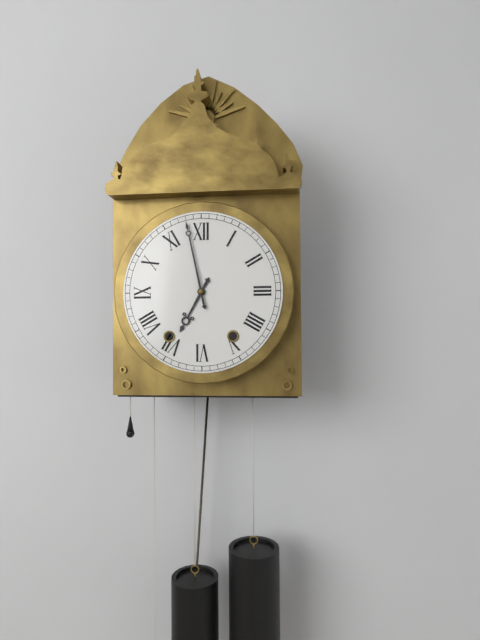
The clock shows 6:58
